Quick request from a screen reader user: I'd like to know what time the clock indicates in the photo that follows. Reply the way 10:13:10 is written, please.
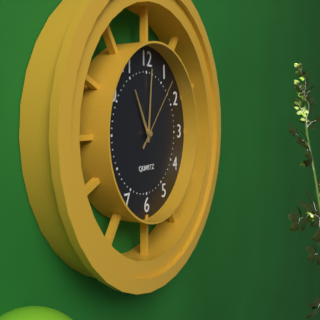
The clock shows 11:01:07
